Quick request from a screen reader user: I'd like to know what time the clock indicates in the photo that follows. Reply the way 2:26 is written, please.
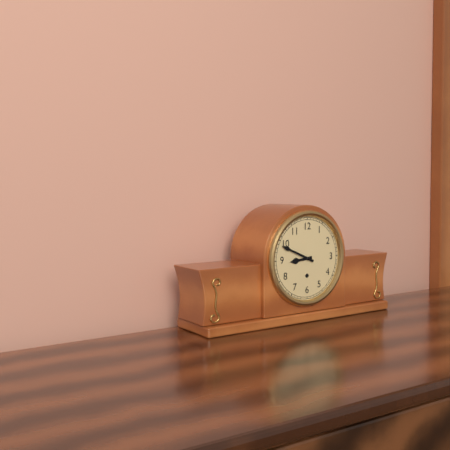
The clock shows 8:49
